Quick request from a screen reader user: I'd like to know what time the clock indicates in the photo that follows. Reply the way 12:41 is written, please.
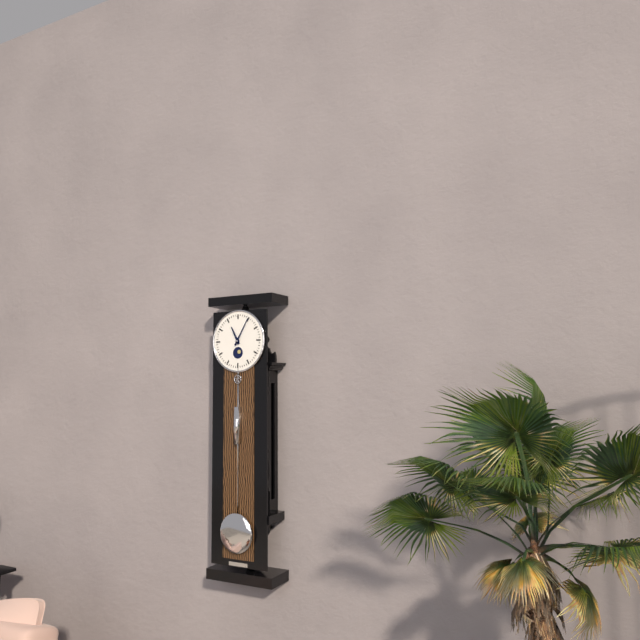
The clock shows 11:05
